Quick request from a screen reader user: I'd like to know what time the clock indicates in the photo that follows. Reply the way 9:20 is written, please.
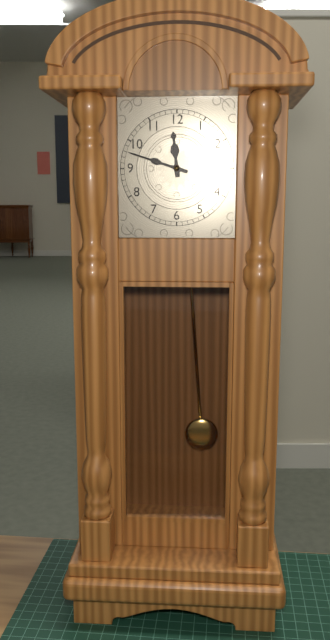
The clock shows 11:48
